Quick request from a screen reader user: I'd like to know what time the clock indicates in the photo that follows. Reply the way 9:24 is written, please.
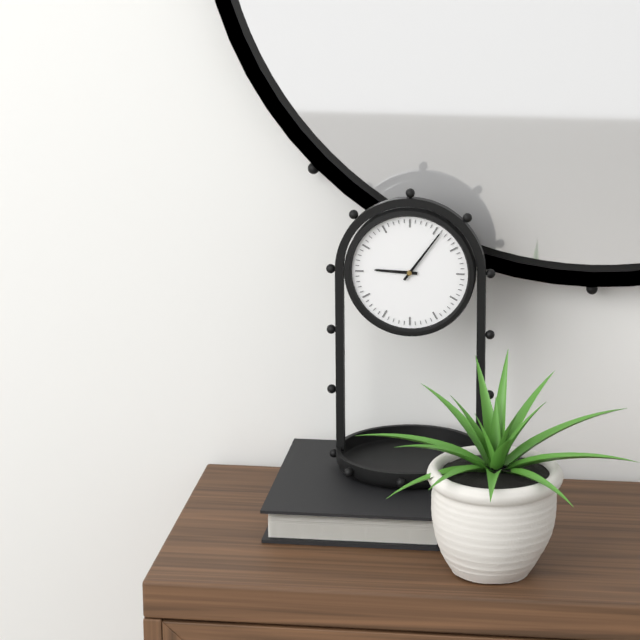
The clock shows 9:06
